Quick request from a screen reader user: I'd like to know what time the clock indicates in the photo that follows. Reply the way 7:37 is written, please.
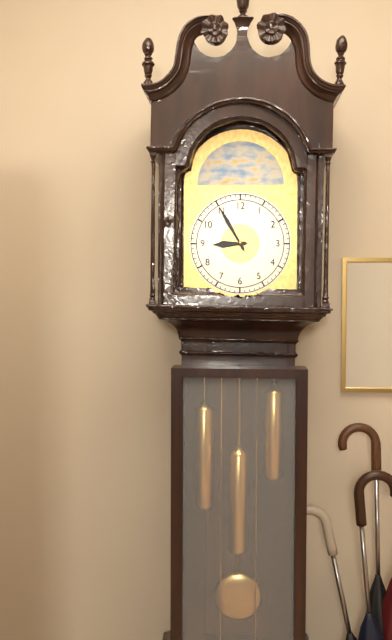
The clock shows 8:55
